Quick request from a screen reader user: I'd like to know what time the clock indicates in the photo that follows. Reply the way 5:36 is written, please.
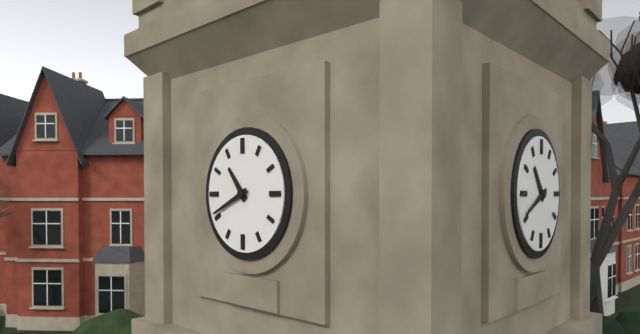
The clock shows 10:41
